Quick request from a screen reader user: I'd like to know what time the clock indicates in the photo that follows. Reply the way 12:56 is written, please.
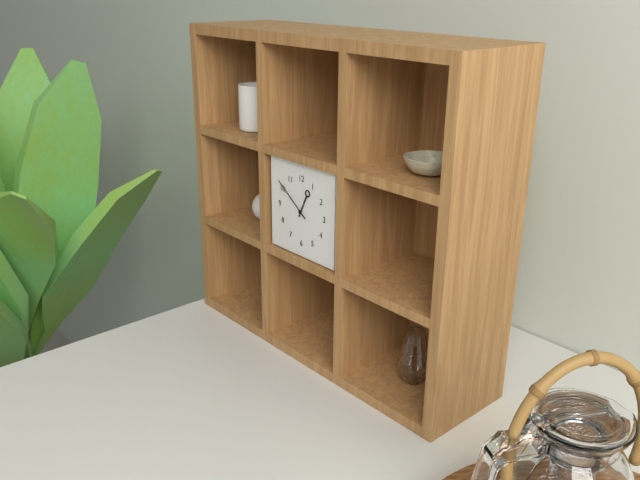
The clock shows 12:51
